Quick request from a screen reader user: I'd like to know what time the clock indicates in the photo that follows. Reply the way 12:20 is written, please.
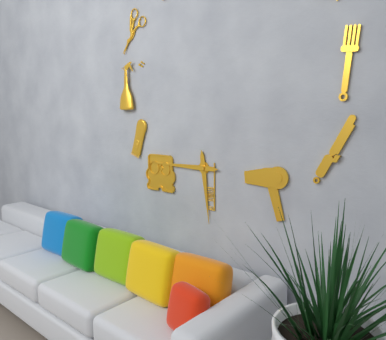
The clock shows 5:45
